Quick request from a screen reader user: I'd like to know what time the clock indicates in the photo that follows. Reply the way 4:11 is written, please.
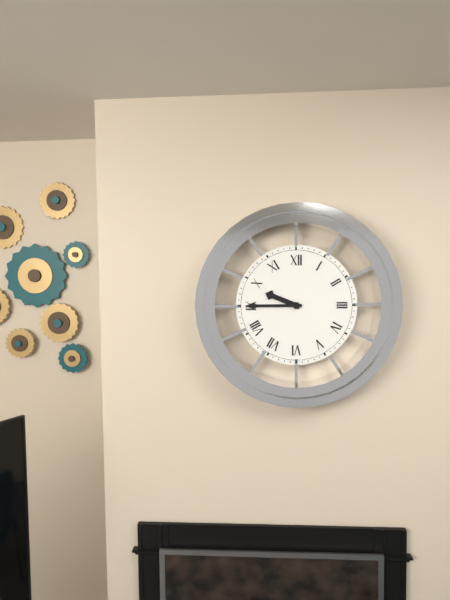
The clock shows 9:45
